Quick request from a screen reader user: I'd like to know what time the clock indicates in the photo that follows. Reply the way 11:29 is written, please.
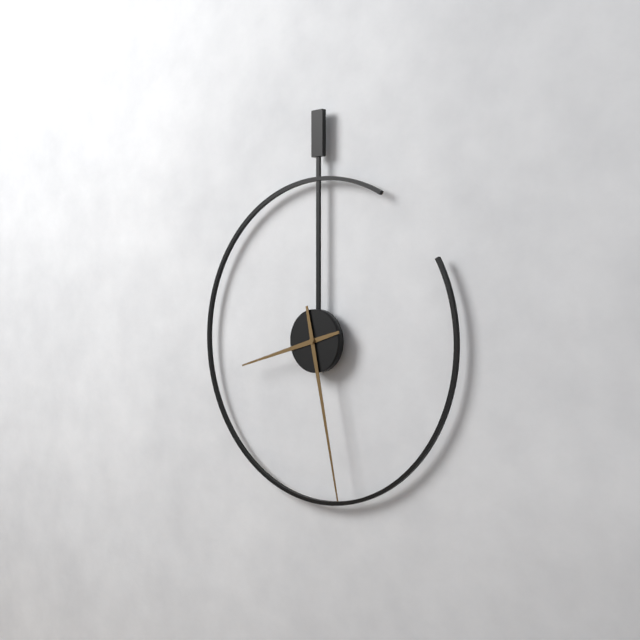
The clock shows 8:28
